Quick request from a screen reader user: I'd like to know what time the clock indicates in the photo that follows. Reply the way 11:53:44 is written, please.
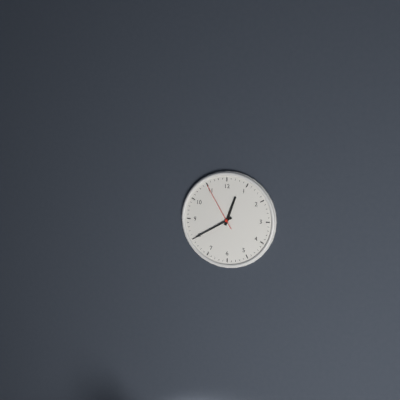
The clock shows 12:40:55
